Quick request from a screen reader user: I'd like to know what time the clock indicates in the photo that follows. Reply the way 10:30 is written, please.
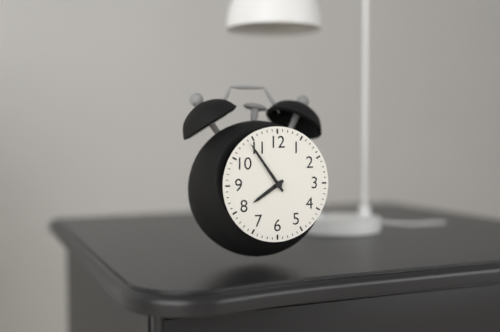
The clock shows 7:54
